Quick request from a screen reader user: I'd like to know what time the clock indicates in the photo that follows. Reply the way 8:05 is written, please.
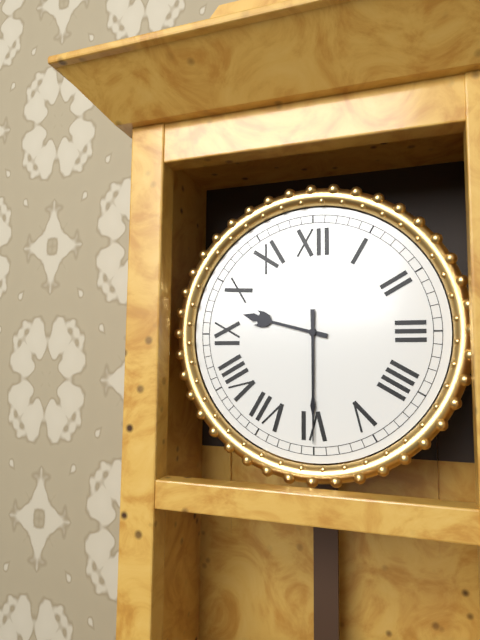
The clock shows 9:30
